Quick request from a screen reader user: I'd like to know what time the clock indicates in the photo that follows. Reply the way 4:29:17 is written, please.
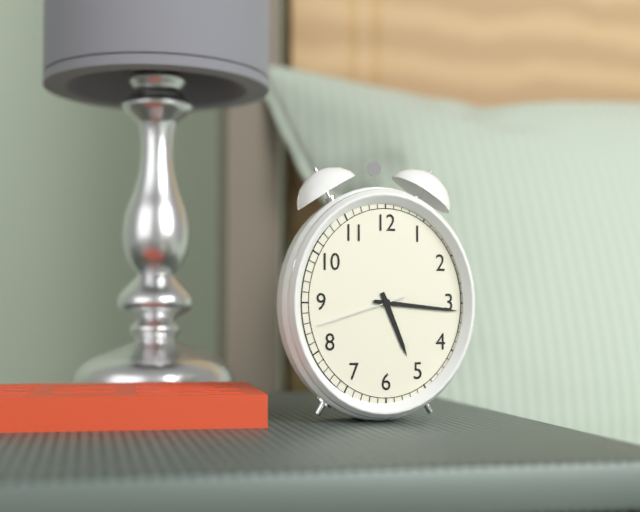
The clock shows 5:16:42
